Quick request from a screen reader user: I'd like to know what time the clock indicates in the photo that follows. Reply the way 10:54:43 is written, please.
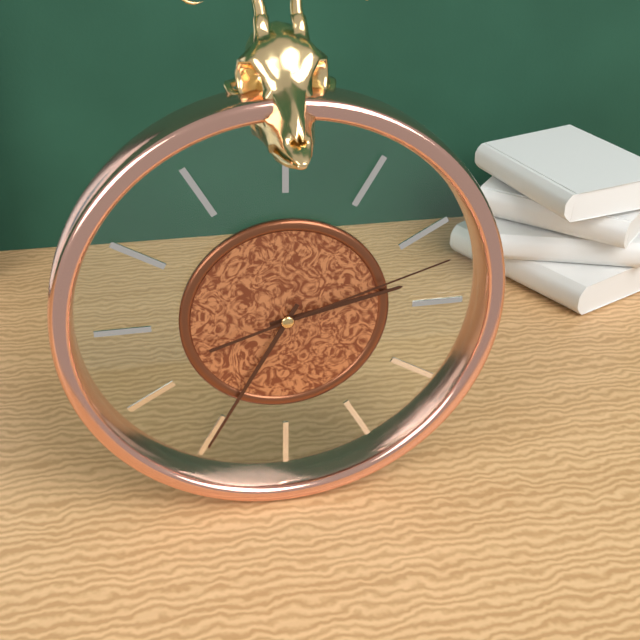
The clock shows 2:35:12
